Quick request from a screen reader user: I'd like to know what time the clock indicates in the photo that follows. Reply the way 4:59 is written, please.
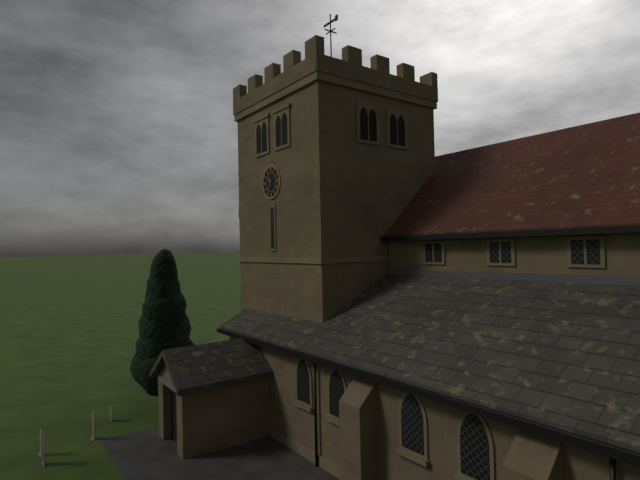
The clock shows 10:33
